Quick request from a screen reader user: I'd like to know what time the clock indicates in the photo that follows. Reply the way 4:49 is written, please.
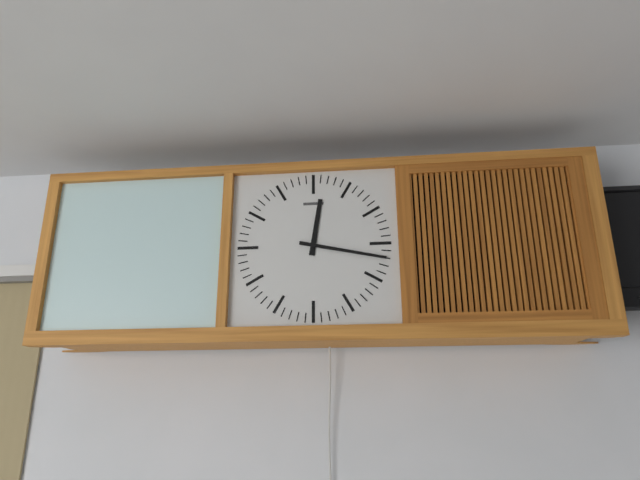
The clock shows 12:17
